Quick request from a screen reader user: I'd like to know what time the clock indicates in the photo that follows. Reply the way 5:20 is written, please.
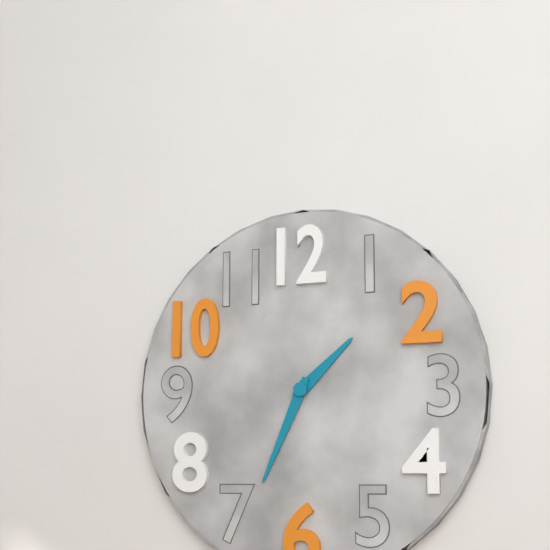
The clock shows 1:34
